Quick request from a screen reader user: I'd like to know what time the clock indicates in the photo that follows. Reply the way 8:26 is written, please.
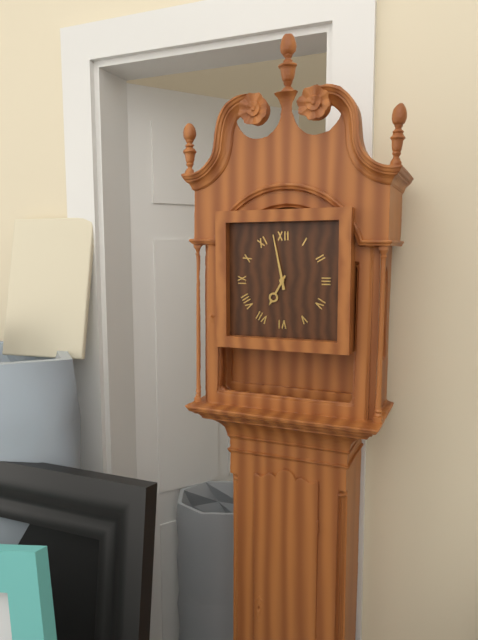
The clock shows 6:58
